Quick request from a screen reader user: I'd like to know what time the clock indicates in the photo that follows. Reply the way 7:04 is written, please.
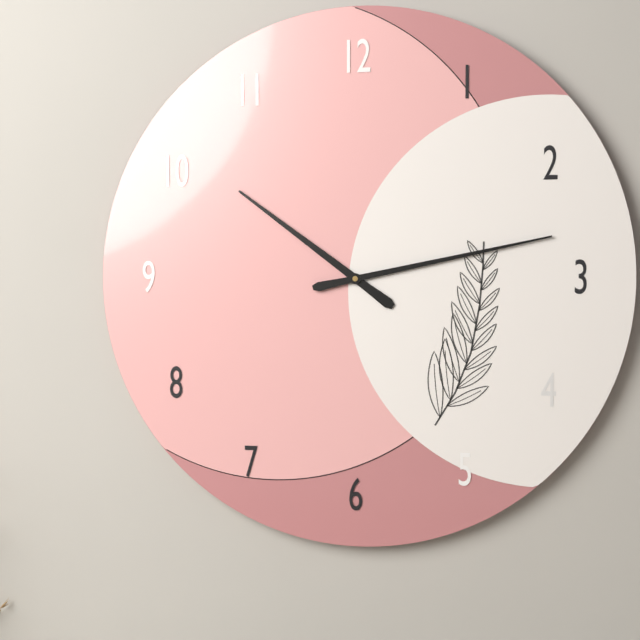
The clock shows 10:13
